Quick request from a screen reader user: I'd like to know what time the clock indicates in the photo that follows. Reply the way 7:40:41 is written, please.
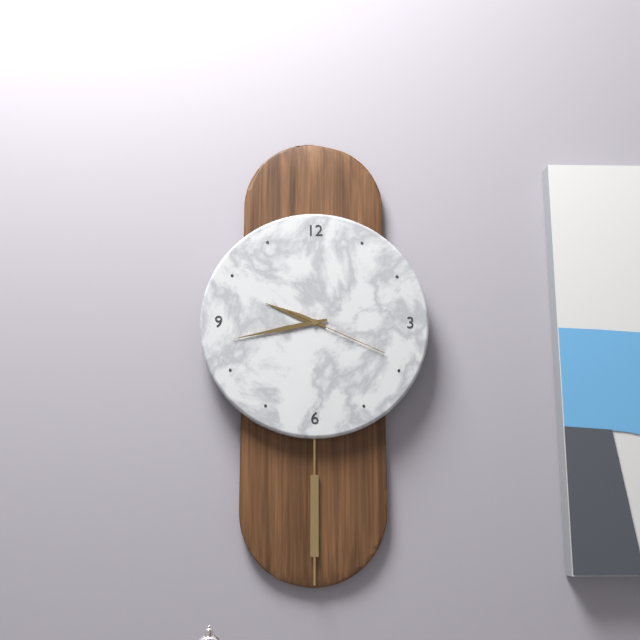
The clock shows 9:43:19
